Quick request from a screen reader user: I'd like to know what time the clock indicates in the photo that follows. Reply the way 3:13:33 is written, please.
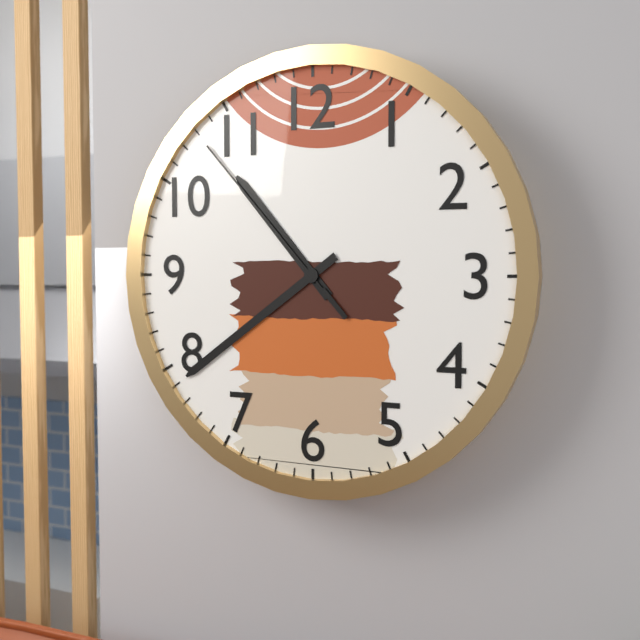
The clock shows 10:39:53
